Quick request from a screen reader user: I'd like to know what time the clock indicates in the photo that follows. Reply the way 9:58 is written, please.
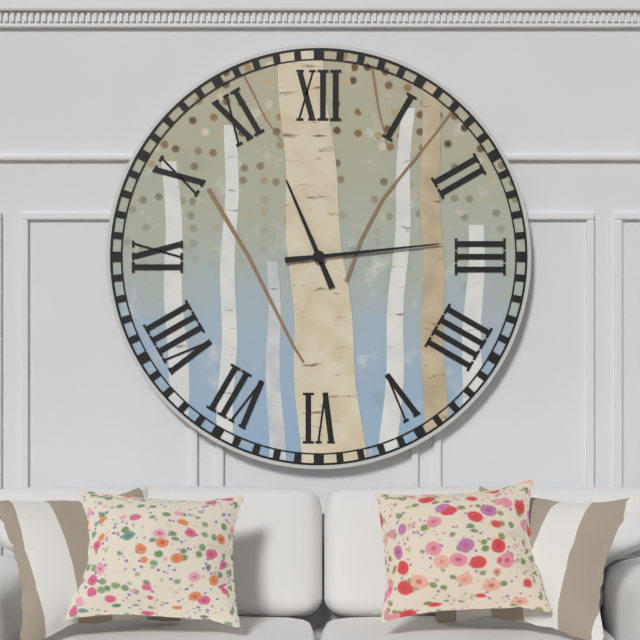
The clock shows 11:14
